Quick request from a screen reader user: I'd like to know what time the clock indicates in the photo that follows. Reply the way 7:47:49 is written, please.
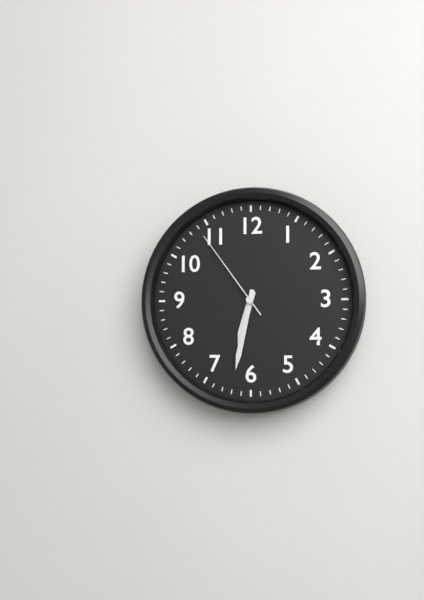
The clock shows 6:32:54
